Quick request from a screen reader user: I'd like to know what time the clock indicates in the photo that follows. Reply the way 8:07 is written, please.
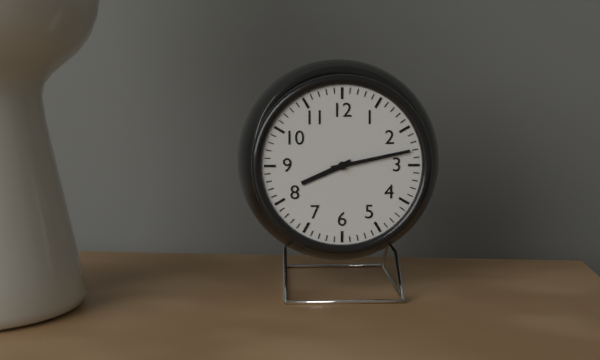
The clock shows 8:13
